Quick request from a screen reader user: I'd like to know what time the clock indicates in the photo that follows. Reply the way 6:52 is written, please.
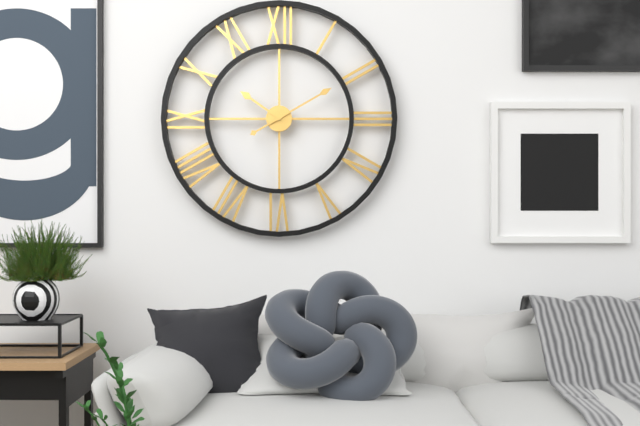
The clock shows 10:10
